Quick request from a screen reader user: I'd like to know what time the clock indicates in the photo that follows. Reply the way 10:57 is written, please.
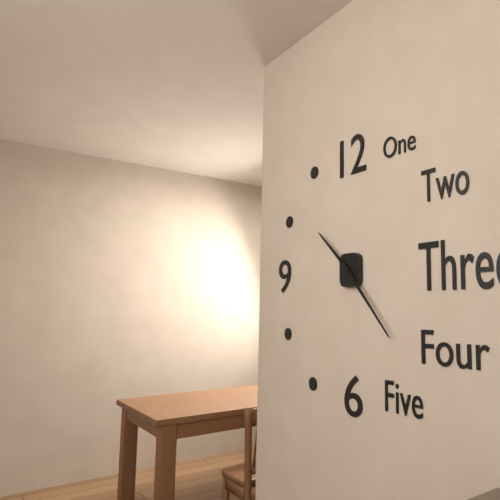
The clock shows 10:23
